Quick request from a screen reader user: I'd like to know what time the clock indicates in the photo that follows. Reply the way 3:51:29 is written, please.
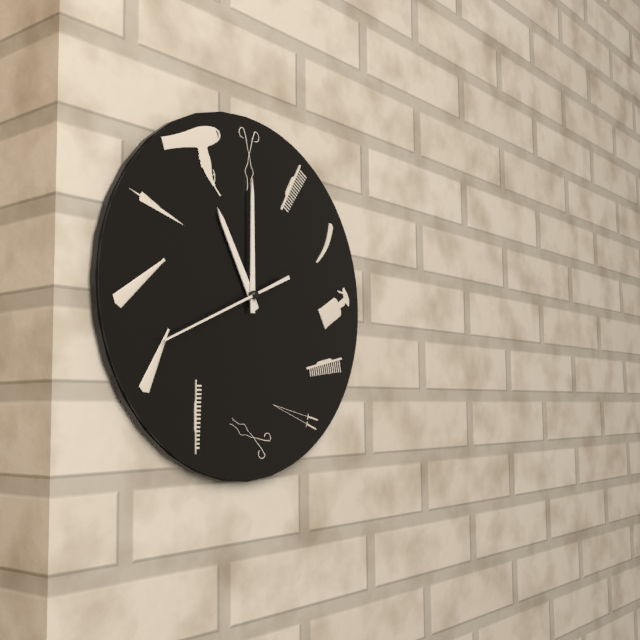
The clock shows 11:00:41
